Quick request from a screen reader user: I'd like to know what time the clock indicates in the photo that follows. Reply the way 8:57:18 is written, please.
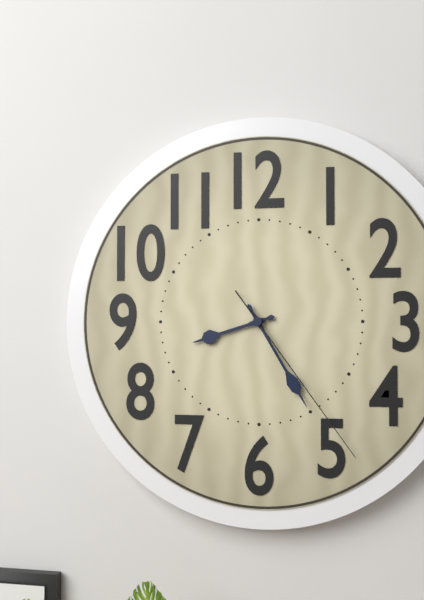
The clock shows 8:25:24
